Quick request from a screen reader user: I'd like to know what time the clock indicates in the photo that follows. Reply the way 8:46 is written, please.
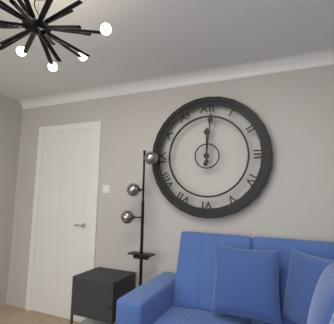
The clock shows 12:01
